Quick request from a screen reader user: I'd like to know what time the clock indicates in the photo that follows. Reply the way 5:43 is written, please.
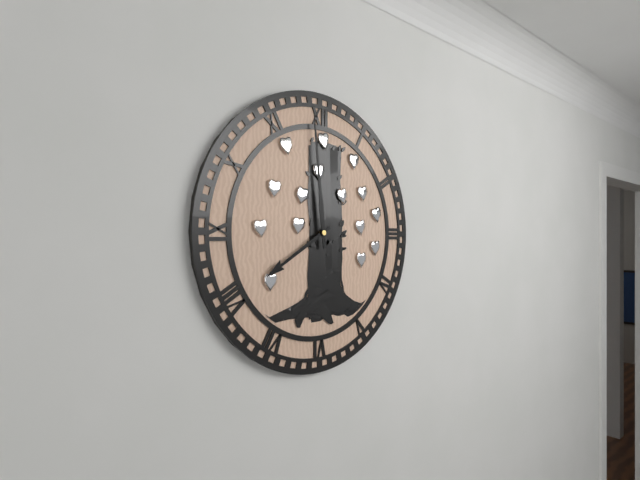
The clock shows 7:59
